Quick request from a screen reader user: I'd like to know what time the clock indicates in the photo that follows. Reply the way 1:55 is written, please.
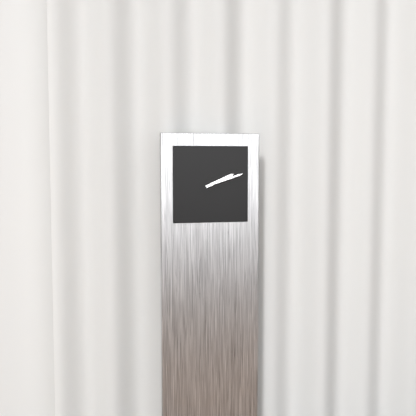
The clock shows 2:12
